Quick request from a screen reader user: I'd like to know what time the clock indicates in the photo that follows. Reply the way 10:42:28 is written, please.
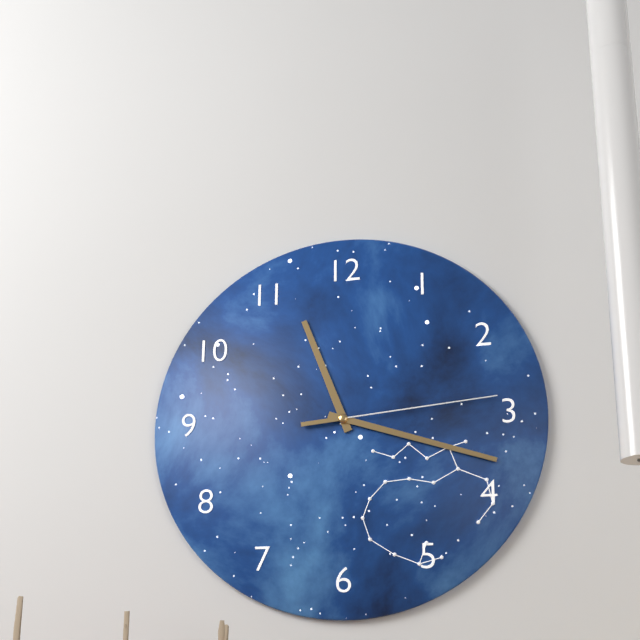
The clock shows 11:18:14
